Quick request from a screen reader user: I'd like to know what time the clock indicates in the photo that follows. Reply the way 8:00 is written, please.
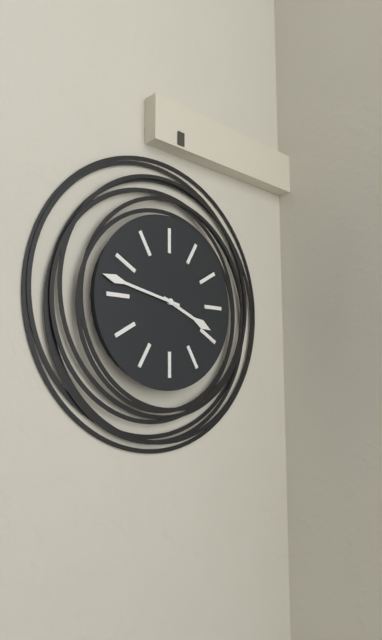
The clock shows 3:47
